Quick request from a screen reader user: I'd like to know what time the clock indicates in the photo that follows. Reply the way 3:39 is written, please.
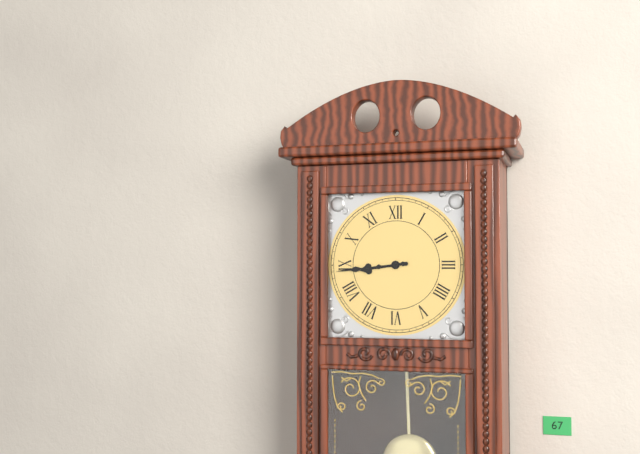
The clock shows 8:44
